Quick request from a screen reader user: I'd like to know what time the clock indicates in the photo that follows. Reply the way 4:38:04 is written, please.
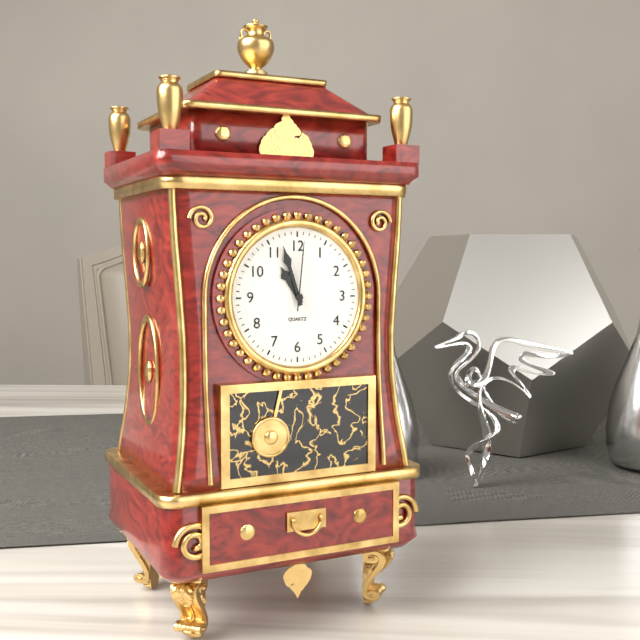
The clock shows 10:57:01
